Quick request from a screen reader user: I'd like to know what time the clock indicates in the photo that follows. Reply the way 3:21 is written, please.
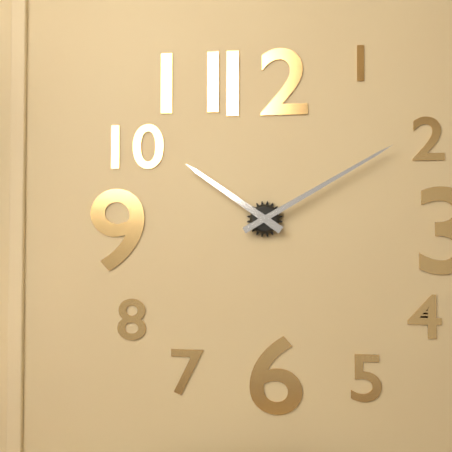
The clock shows 10:10
